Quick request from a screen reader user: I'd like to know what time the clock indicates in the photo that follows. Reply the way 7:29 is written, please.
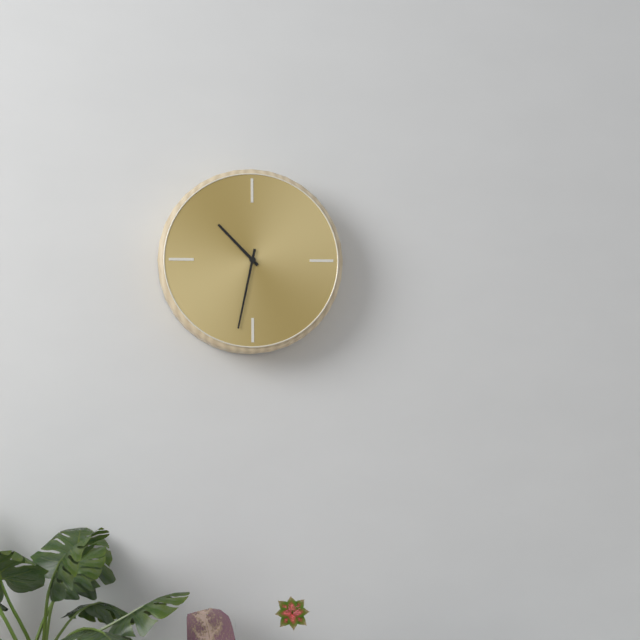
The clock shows 10:32
